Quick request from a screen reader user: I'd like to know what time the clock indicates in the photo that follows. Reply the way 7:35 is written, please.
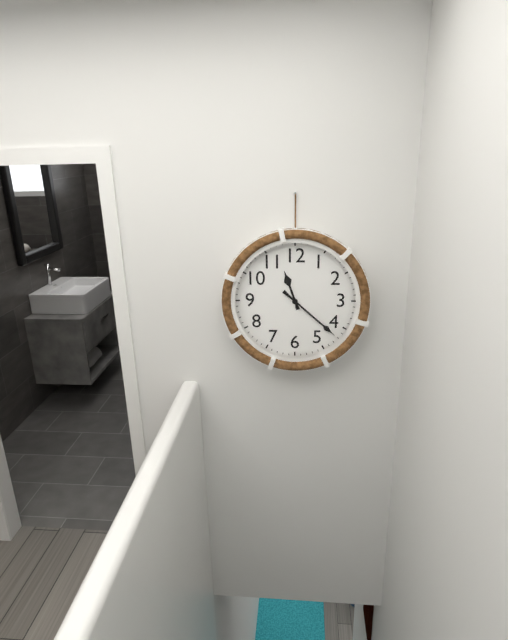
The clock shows 11:22
